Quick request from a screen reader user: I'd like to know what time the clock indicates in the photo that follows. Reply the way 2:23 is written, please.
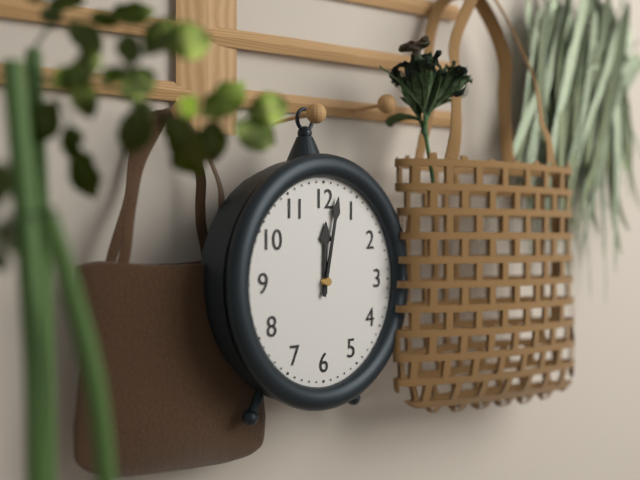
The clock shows 12:02
